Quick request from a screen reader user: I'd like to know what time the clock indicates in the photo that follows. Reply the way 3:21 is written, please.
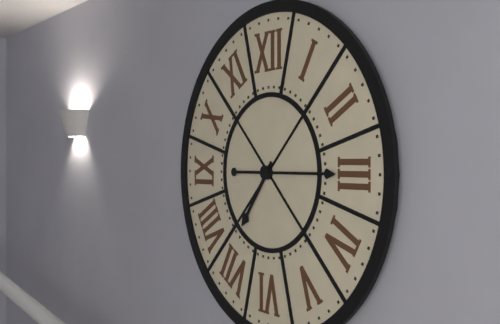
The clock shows 7:15
